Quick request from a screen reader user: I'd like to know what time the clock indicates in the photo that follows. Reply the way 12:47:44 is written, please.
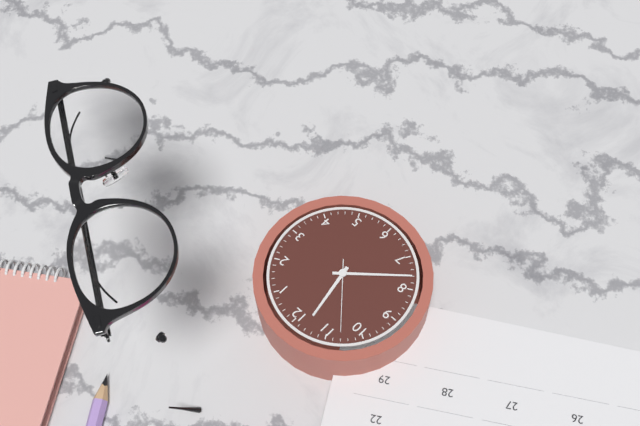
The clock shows 11:38:53
